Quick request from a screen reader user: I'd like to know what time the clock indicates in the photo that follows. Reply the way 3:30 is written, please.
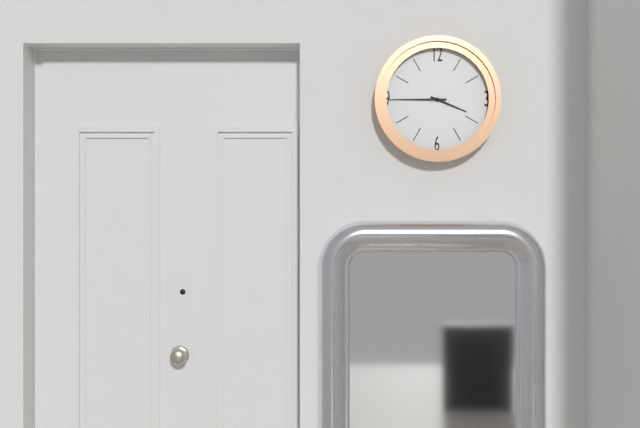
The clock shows 3:45
